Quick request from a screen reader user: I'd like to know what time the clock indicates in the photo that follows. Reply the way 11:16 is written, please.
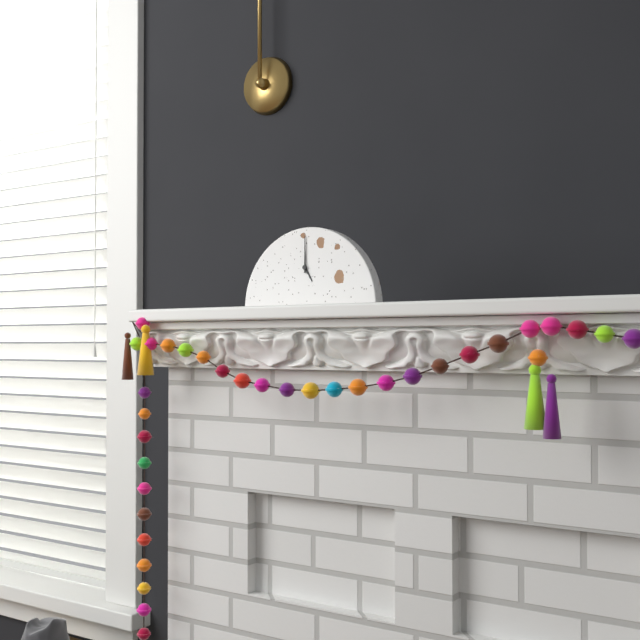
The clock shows 5:00
